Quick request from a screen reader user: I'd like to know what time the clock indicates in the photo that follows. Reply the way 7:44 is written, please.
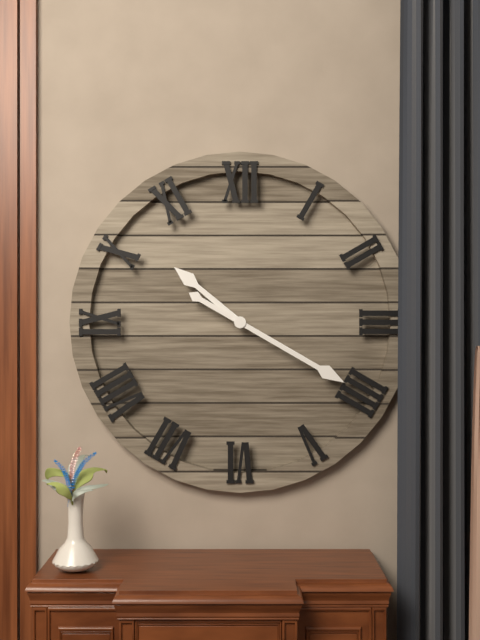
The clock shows 10:20
